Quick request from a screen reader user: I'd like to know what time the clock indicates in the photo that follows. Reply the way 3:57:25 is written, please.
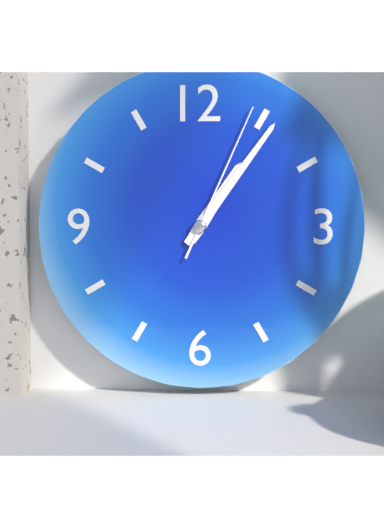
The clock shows 1:06:04
